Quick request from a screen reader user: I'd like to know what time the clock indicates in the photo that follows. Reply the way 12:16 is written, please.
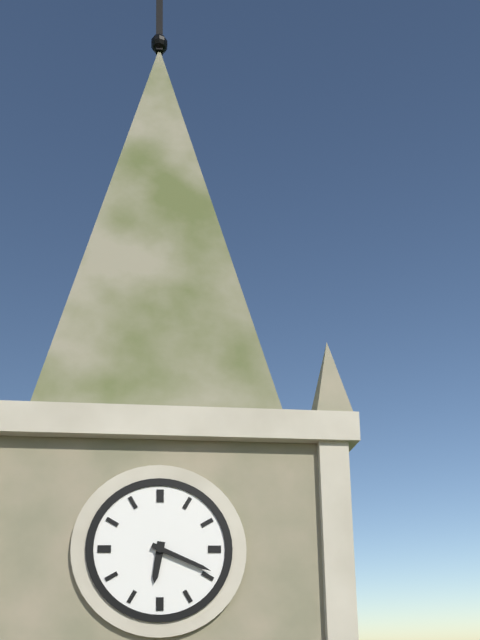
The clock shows 6:19
